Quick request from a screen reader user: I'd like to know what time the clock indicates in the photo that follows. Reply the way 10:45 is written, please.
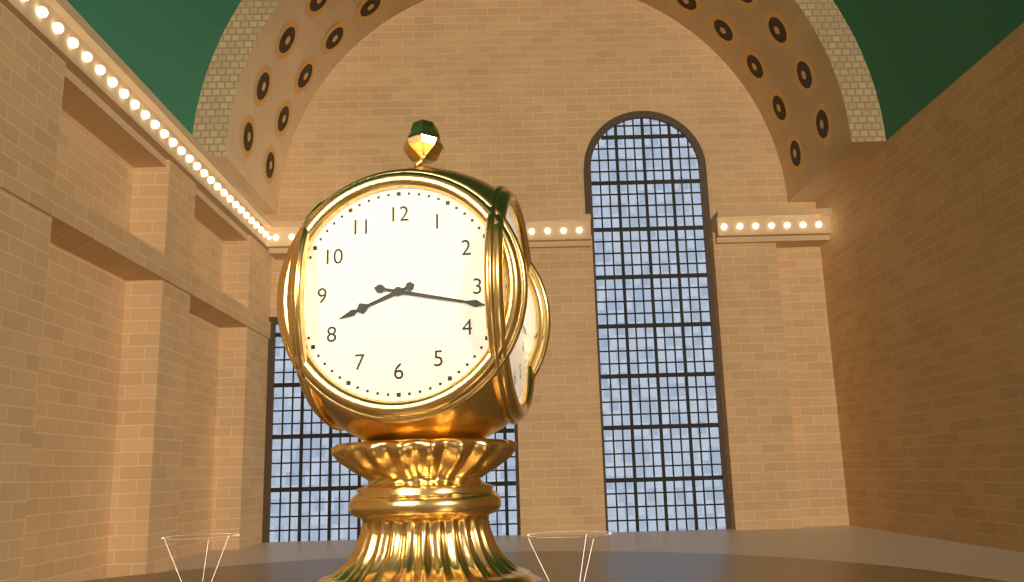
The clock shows 8:17
